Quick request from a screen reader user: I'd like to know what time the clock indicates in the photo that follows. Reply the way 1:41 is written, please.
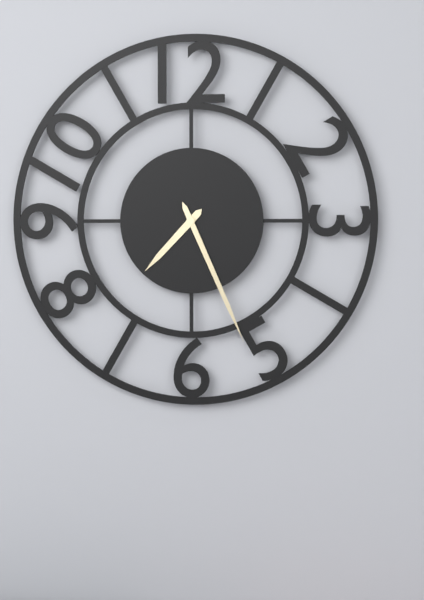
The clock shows 7:26
